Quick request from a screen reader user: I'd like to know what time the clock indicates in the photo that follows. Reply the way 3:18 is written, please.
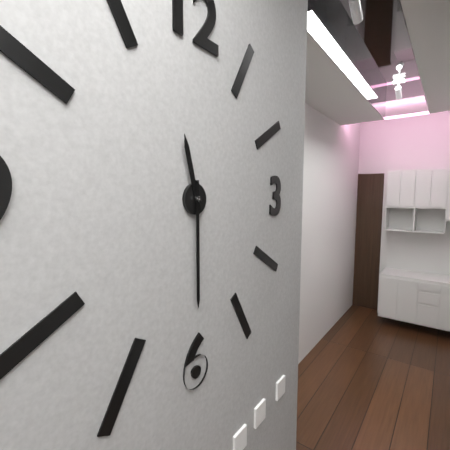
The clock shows 11:30
